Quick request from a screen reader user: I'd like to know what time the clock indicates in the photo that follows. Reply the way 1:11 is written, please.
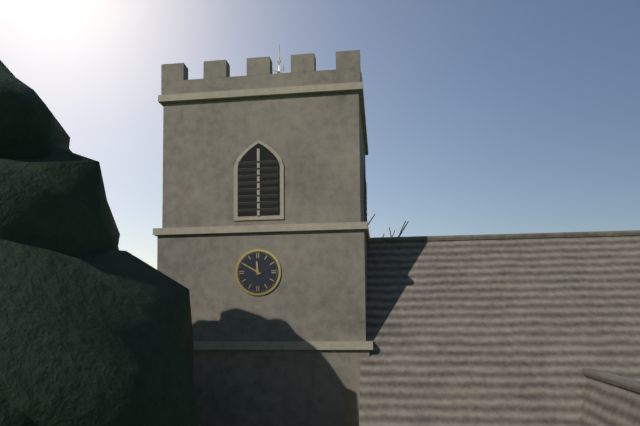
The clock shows 11:50
